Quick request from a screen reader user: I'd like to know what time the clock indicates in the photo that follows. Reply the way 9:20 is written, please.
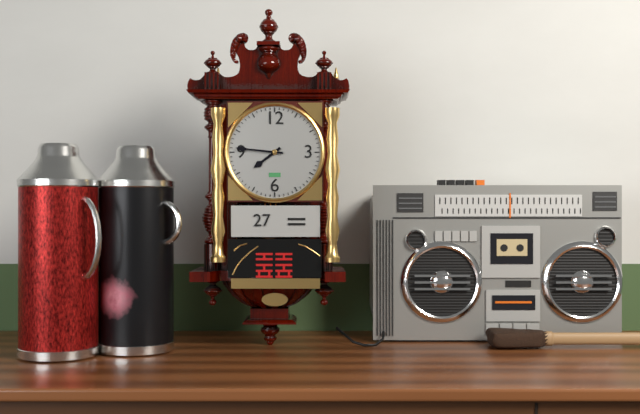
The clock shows 7:46
